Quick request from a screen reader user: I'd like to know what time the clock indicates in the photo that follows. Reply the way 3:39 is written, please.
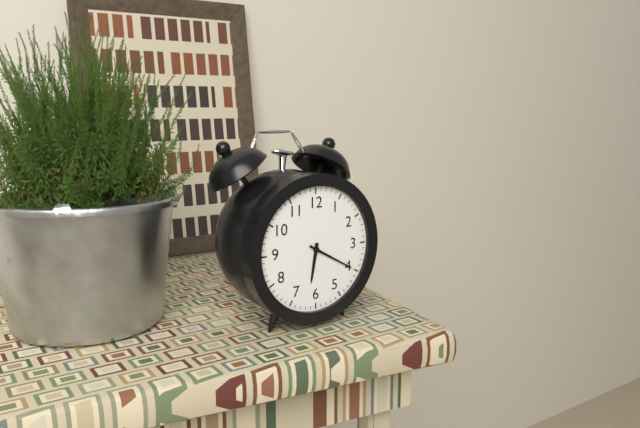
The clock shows 6:20
